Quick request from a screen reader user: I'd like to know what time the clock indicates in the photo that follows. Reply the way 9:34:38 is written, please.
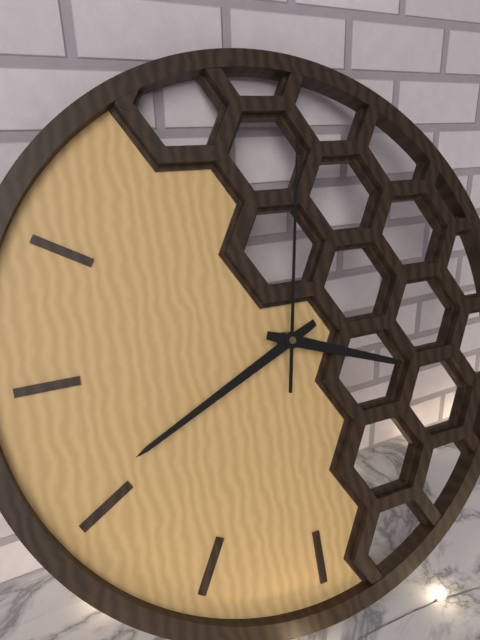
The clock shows 3:41:02
